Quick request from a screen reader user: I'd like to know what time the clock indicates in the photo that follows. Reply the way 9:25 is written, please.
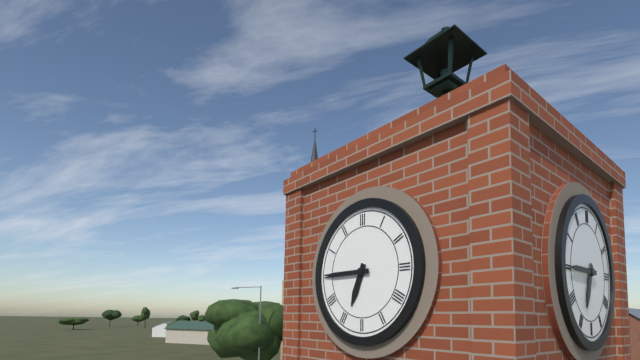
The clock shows 6:45
